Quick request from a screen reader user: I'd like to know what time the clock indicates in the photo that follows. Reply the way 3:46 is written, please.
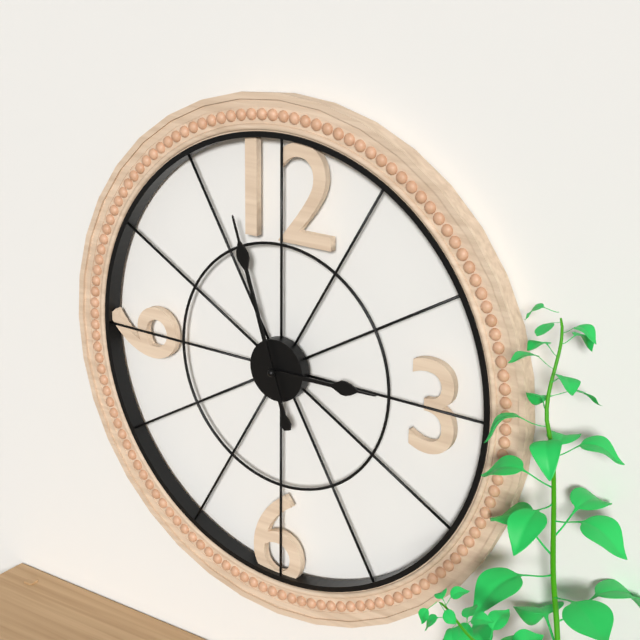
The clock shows 2:57
